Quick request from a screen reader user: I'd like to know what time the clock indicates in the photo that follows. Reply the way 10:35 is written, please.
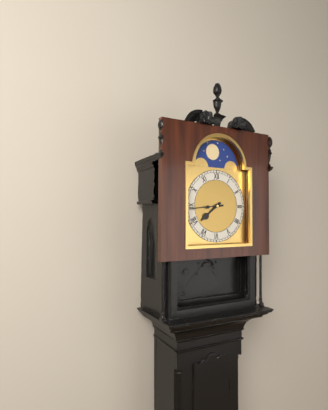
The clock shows 7:44
